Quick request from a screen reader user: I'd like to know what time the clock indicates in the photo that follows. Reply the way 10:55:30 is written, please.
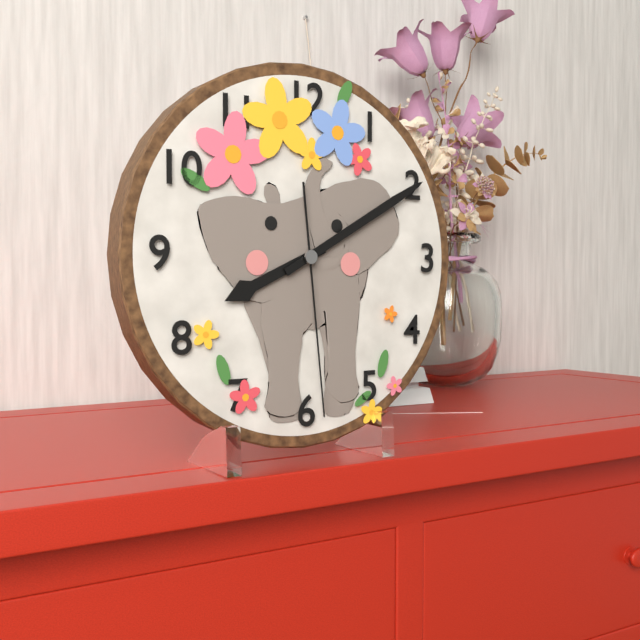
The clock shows 8:10:29
